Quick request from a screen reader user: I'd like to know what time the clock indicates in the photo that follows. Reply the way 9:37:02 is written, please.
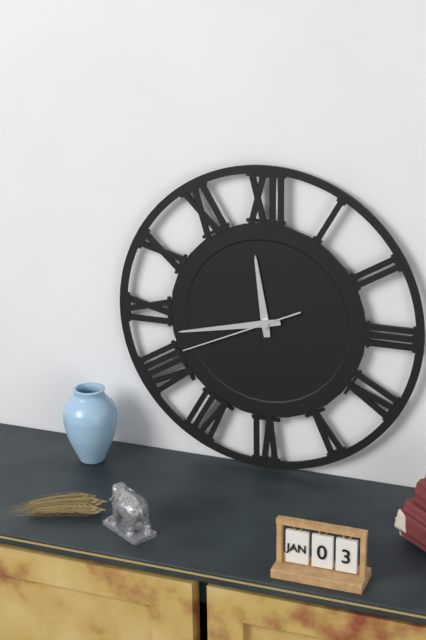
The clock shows 11:43:41
